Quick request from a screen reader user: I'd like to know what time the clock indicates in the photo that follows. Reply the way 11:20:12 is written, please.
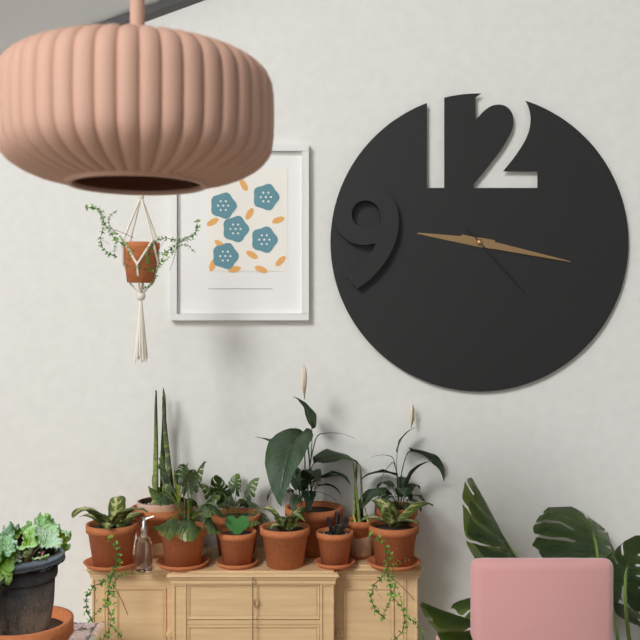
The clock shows 9:17:23
